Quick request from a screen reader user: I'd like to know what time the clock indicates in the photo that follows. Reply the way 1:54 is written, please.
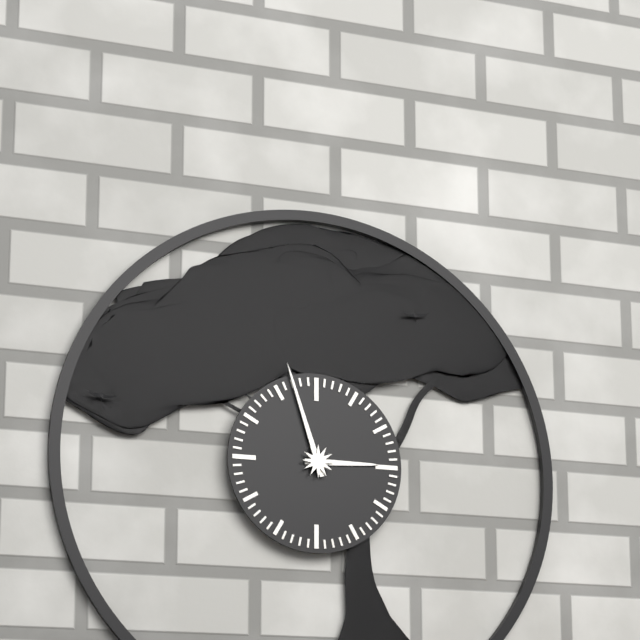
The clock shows 2:57
